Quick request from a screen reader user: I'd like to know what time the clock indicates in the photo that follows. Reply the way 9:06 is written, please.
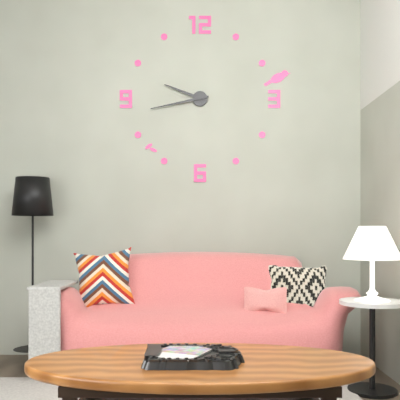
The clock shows 9:43
